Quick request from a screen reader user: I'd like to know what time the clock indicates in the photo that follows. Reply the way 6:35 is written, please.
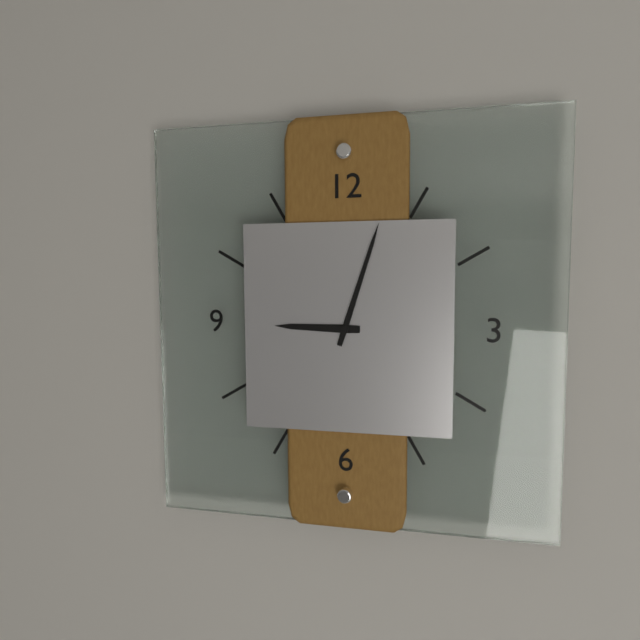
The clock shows 9:03
